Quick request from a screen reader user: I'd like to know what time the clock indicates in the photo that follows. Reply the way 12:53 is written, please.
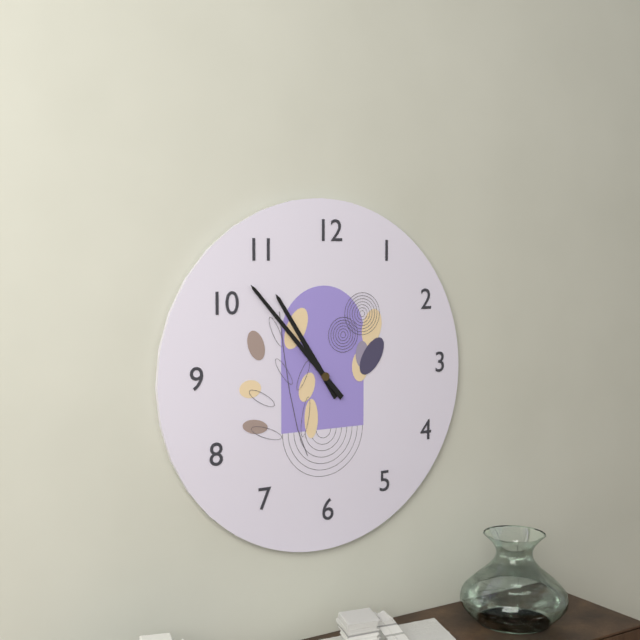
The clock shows 10:53
